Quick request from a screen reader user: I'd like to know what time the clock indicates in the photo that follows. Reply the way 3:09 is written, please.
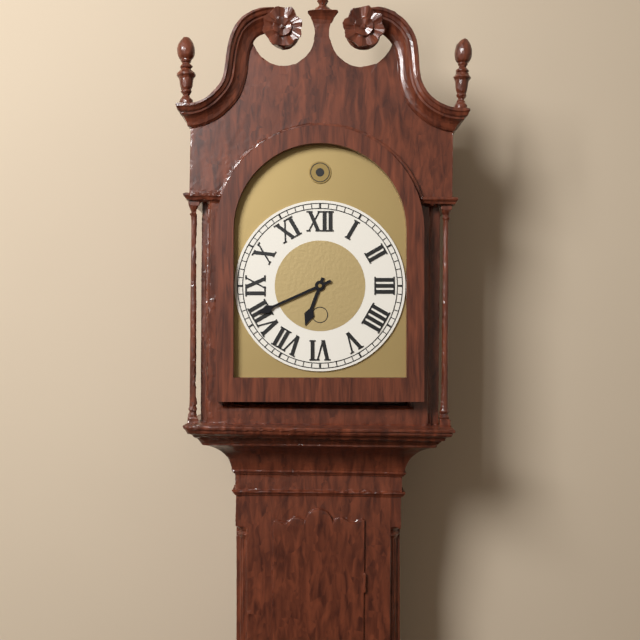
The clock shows 6:41
